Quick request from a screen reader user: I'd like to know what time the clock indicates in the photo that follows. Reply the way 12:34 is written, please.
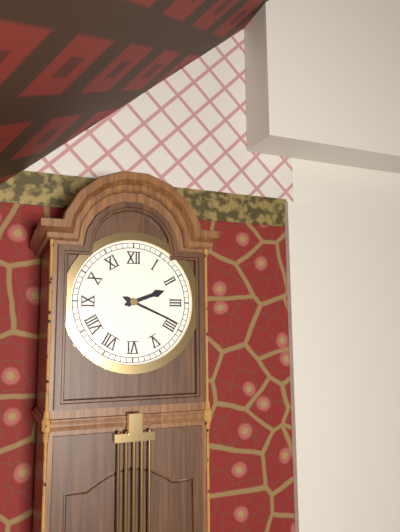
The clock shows 2:19
